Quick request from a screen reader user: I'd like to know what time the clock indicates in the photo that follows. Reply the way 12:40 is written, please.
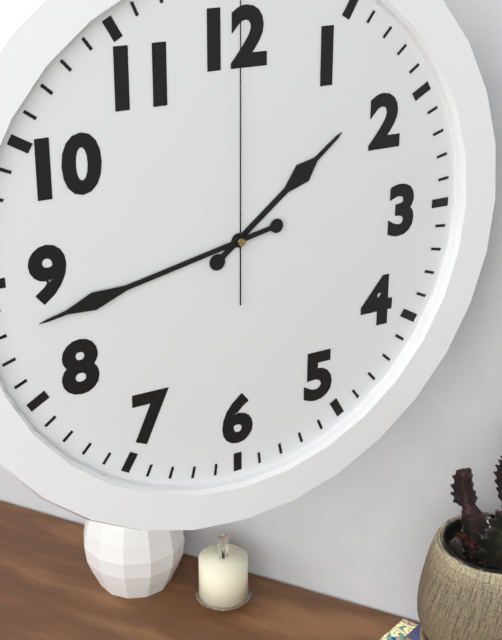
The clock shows 1:43
